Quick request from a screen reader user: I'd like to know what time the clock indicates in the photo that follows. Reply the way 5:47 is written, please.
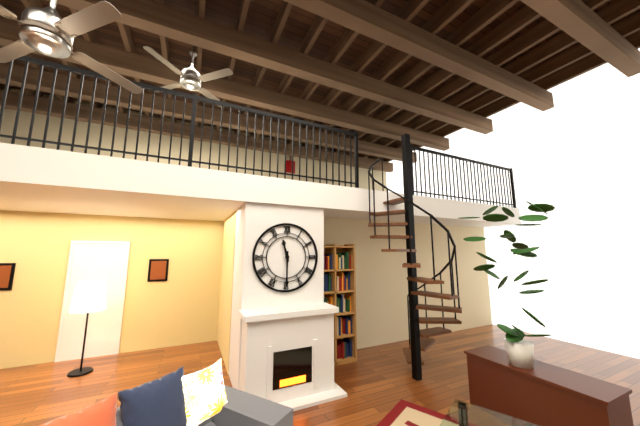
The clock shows 11:30
